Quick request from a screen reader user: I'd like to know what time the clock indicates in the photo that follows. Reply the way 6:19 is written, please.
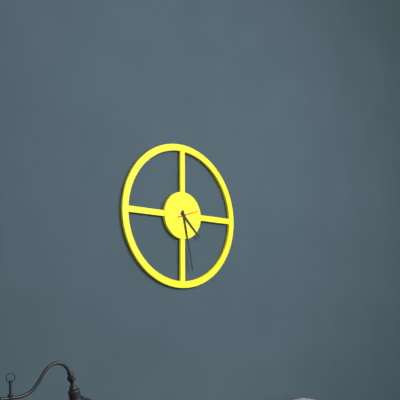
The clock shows 4:28
